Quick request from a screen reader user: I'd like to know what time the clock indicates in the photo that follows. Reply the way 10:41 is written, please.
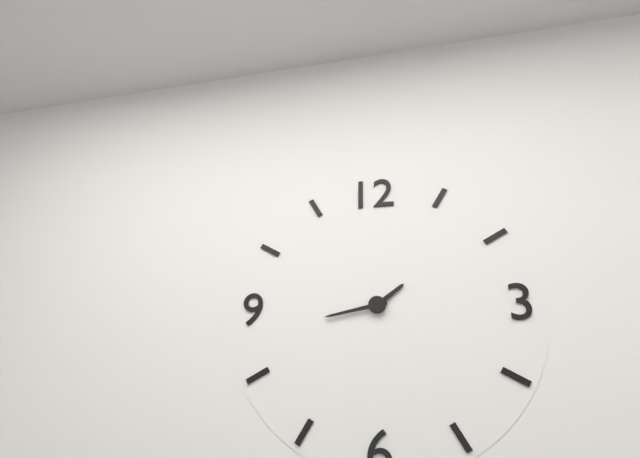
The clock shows 1:43
